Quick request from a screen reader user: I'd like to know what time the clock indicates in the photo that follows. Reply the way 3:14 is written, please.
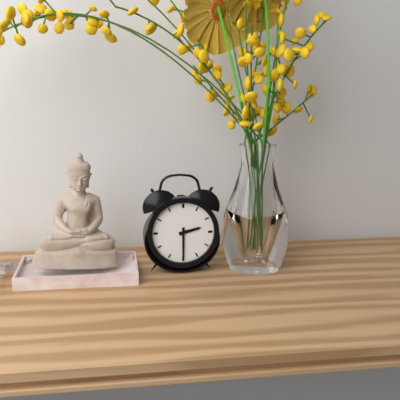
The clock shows 2:30
